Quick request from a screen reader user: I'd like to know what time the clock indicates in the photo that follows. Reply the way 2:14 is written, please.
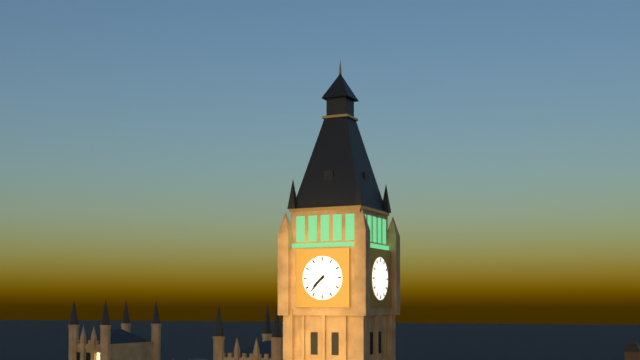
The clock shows 7:37
